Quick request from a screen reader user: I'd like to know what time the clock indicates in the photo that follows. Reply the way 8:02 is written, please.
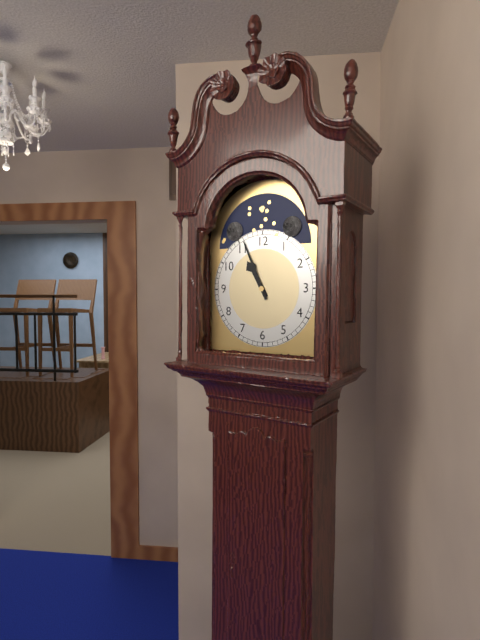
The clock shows 10:56
